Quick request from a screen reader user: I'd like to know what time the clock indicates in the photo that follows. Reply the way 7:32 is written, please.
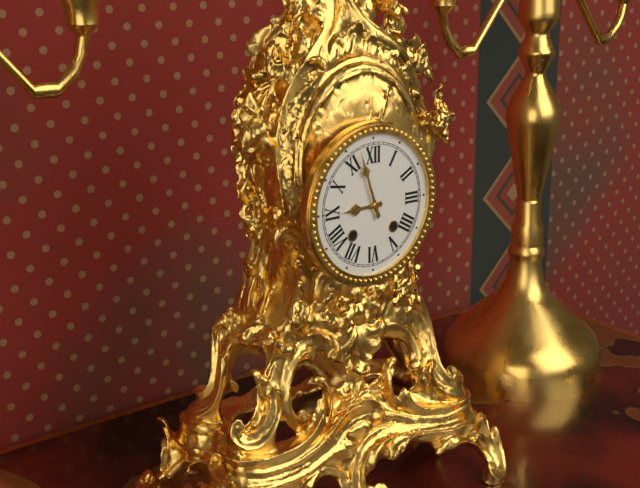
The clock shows 8:57
